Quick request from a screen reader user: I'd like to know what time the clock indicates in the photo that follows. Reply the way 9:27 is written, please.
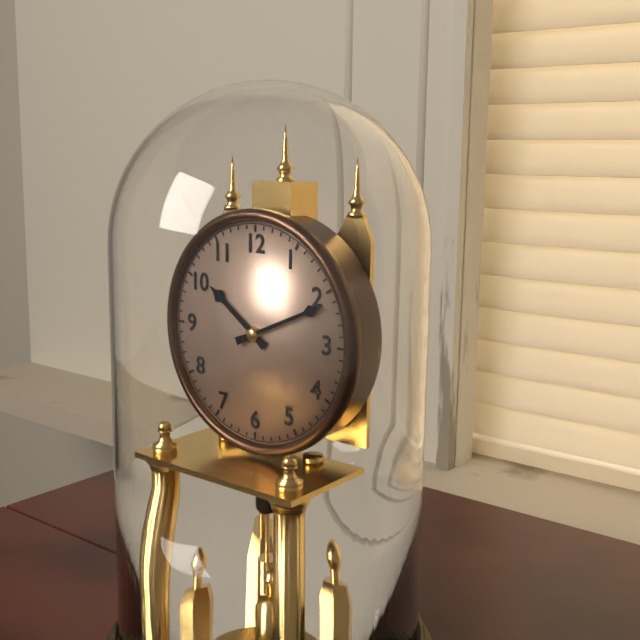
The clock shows 10:11
